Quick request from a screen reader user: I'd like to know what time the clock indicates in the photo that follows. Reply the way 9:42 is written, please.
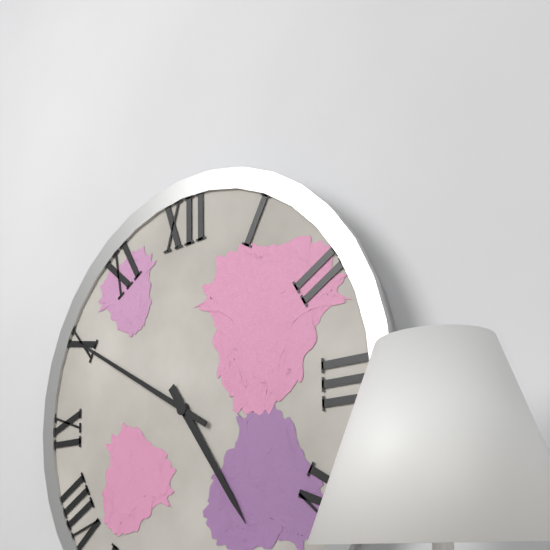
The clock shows 4:50
